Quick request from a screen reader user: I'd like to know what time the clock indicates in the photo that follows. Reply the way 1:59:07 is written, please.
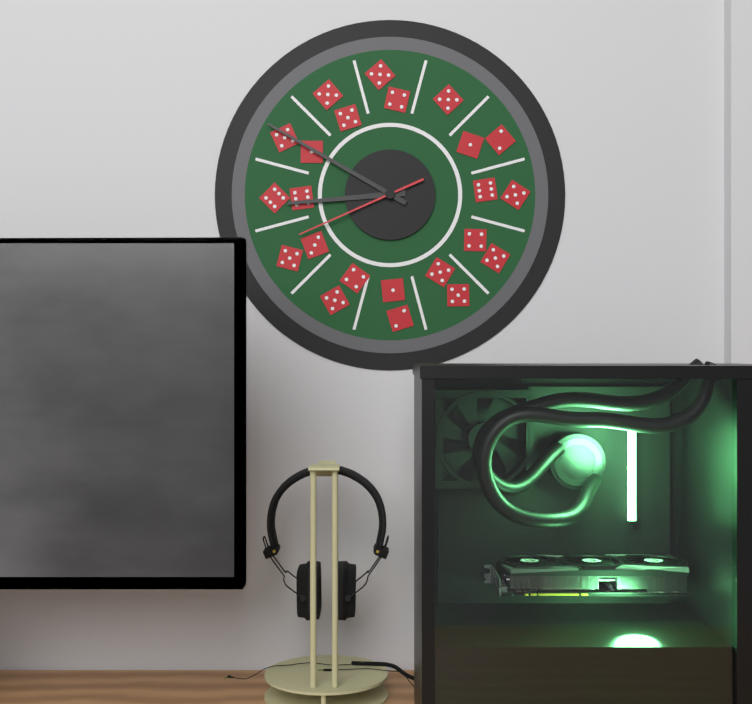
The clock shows 8:50:41
